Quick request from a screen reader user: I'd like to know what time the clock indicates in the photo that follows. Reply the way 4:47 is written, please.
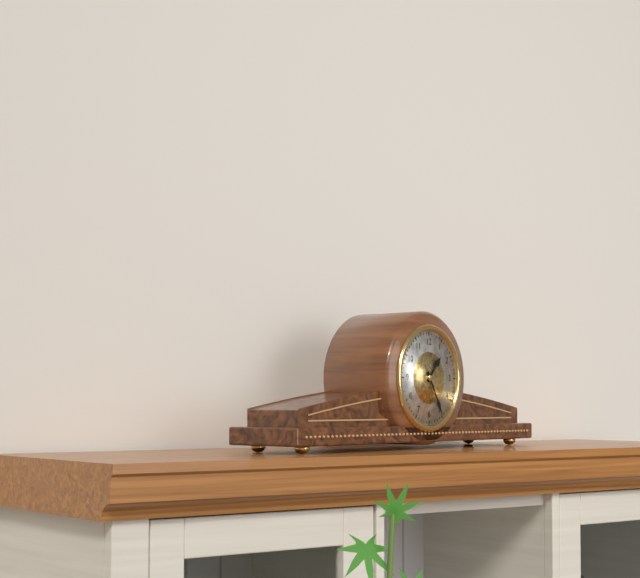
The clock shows 1:25
